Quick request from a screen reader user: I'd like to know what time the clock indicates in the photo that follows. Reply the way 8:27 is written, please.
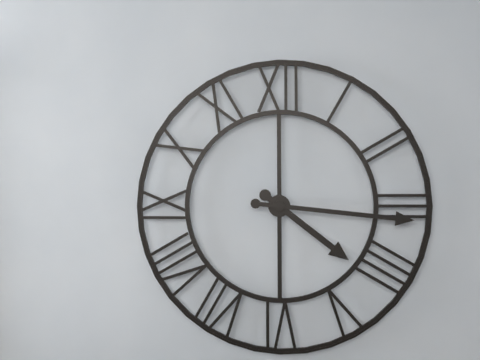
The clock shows 4:16
